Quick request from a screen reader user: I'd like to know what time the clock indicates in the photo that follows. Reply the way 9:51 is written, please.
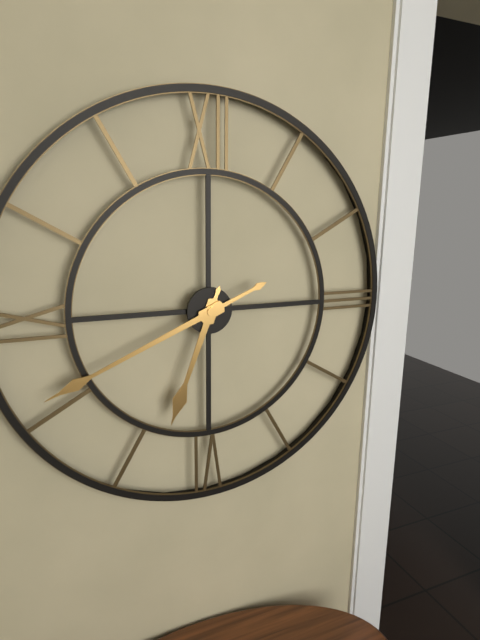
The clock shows 6:41
